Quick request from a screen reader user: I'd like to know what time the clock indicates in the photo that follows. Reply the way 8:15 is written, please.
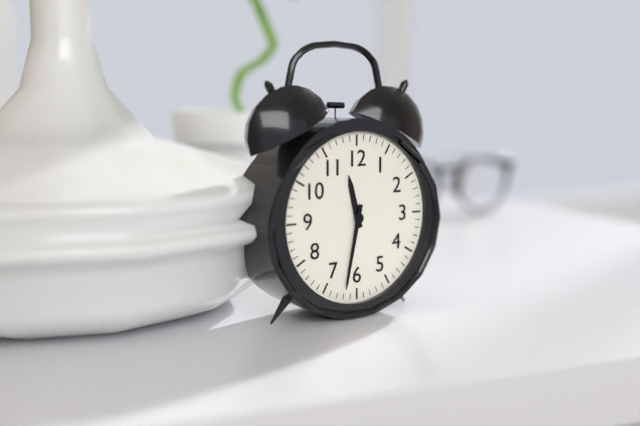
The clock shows 11:32
